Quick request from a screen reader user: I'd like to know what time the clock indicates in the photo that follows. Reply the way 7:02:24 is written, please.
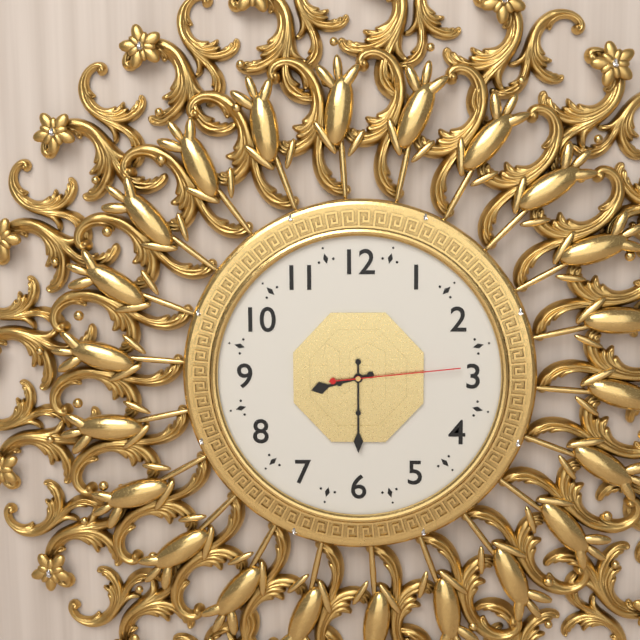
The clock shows 8:30:14
